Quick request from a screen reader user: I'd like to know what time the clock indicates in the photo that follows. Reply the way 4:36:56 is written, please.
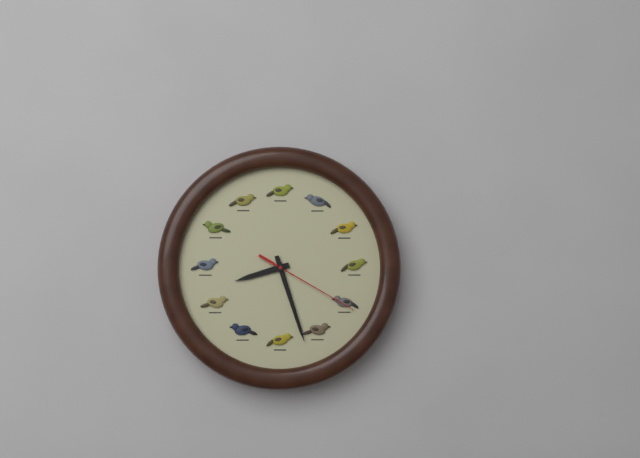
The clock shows 8:27:20
